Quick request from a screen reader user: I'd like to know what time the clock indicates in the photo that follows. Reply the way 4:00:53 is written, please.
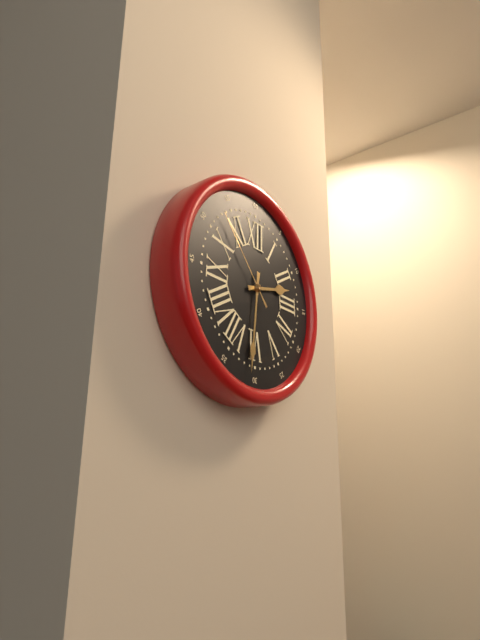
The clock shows 2:31:53
